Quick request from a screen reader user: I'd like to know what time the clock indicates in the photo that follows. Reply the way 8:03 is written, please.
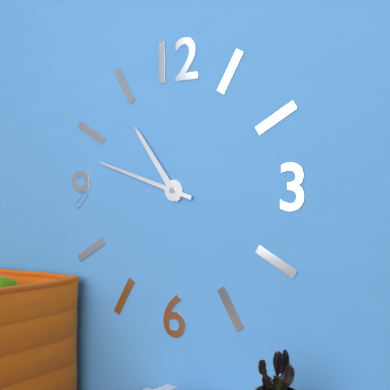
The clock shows 10:48
